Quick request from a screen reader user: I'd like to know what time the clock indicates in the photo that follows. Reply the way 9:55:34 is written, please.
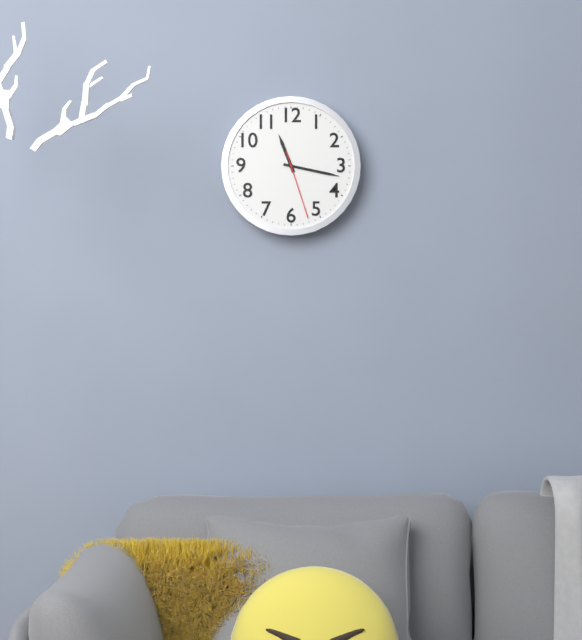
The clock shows 11:17:27
